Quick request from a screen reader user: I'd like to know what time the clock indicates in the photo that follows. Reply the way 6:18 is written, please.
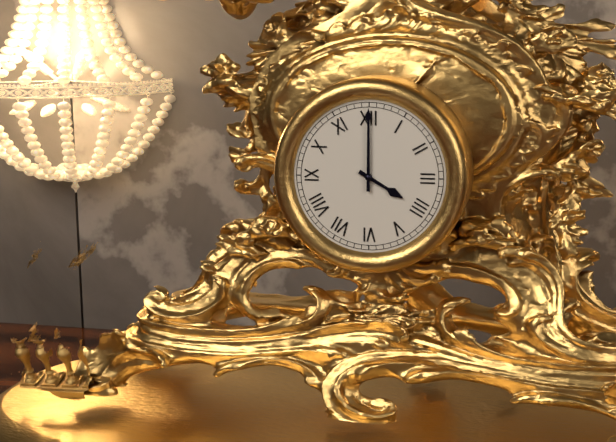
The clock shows 4:00
